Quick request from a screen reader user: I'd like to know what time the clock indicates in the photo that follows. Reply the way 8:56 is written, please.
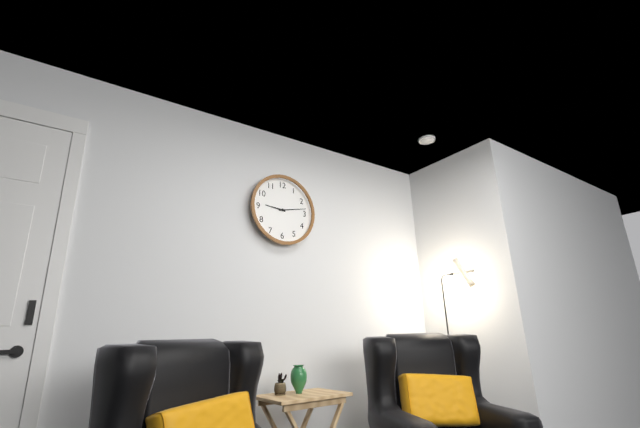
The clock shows 9:13
